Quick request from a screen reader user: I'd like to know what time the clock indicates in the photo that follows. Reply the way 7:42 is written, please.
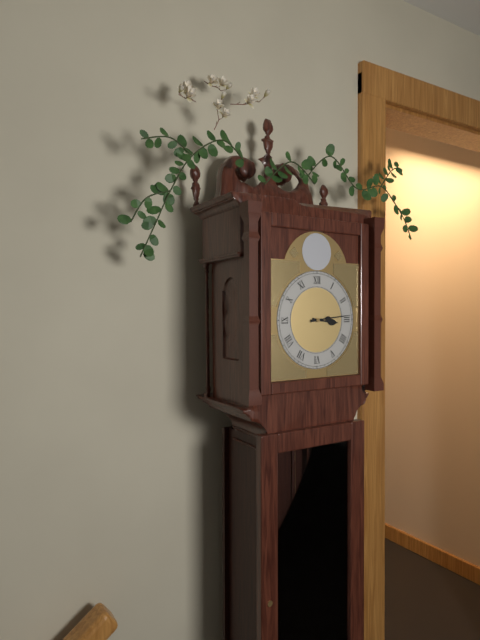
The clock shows 3:14
